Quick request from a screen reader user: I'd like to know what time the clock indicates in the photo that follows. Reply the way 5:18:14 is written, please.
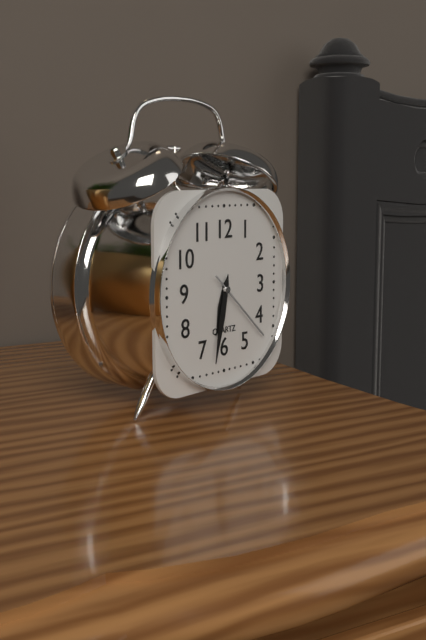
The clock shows 6:32:22
